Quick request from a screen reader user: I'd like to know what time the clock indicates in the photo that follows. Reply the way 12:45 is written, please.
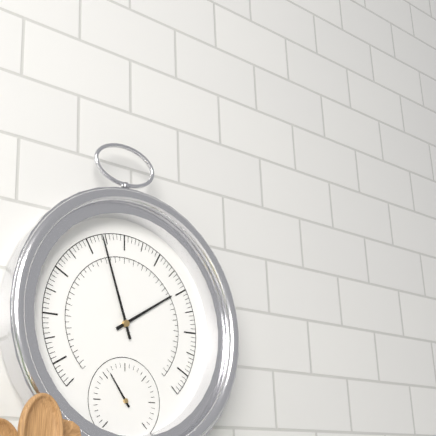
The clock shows 1:57
